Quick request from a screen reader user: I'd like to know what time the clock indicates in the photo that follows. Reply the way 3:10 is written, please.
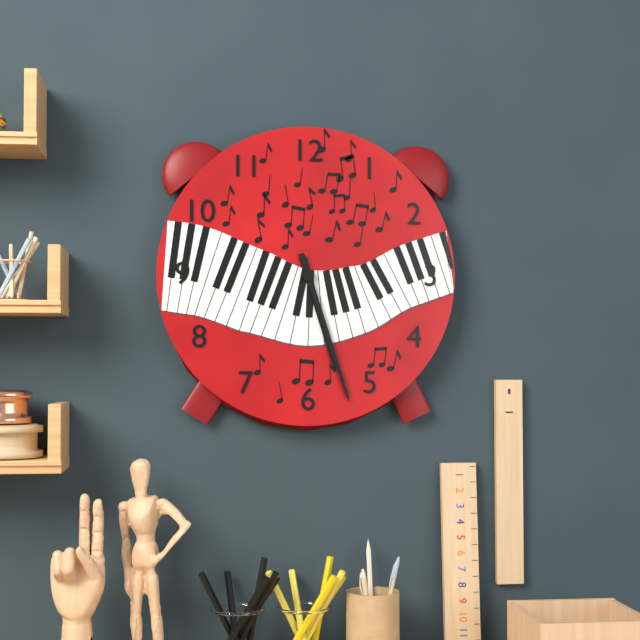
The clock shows 5:27
